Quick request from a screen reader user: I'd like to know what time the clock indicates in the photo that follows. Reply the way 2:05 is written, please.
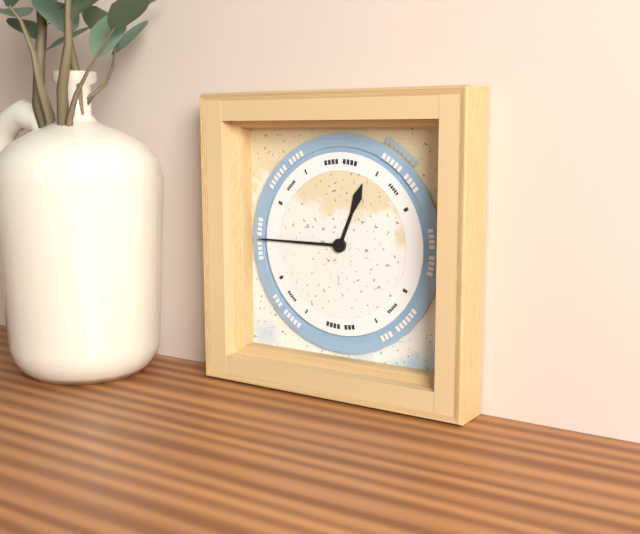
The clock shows 12:45
